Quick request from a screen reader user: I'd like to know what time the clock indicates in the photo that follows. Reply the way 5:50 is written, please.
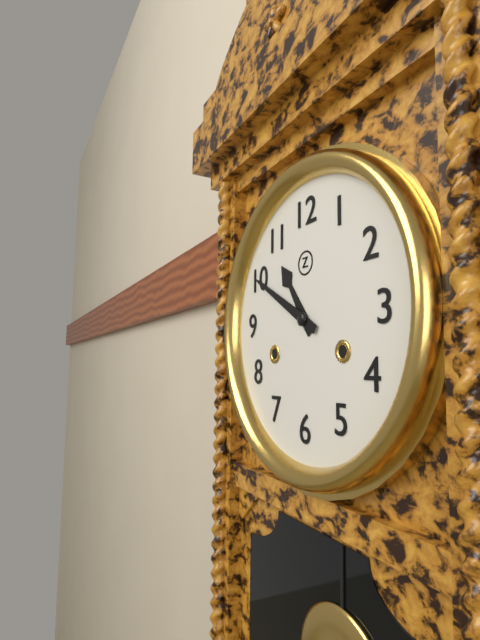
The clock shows 10:50
